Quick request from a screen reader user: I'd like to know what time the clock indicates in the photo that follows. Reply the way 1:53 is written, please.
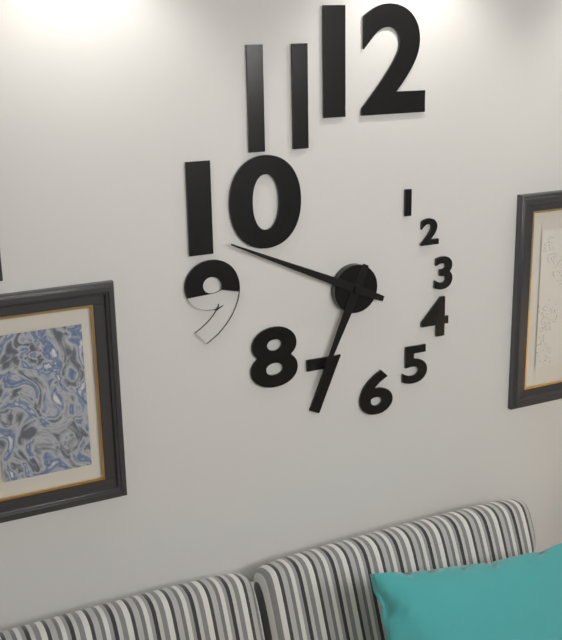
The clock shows 6:49
